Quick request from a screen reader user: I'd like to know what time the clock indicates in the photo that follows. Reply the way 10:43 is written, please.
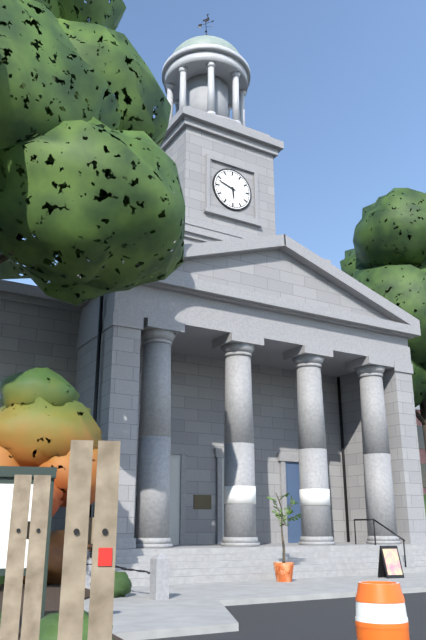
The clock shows 5:48
